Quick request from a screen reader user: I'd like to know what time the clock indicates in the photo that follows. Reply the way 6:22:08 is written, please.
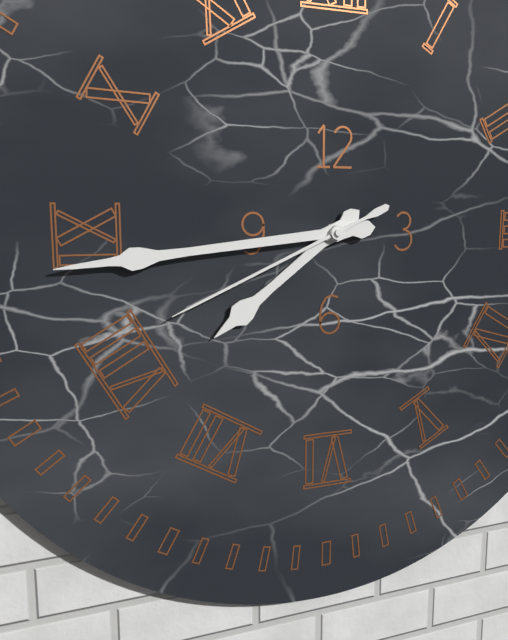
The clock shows 7:44:41
